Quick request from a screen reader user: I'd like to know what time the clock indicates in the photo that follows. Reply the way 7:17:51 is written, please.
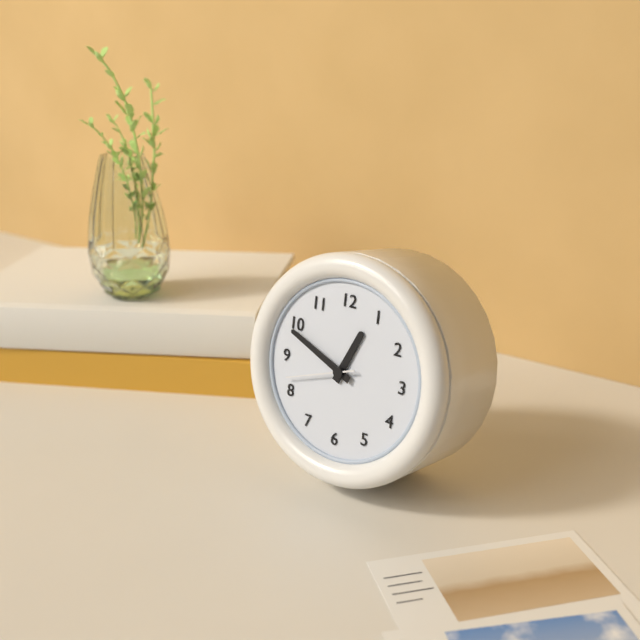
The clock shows 12:49:42
